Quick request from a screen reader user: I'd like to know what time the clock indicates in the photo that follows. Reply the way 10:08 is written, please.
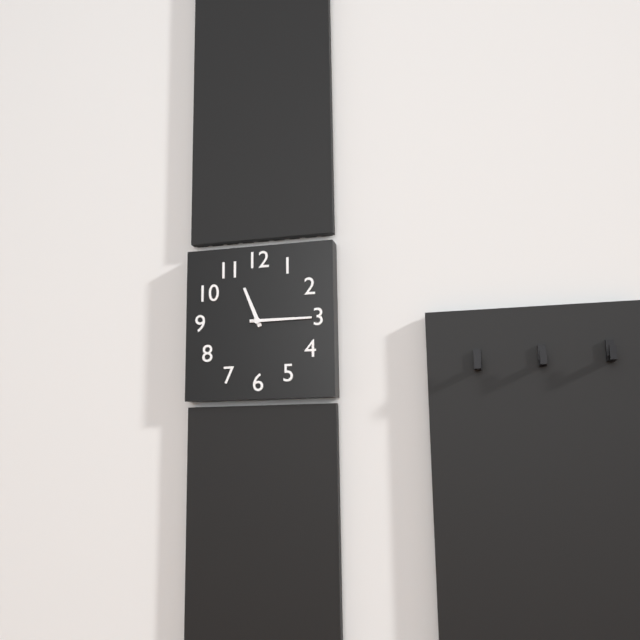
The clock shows 11:15
